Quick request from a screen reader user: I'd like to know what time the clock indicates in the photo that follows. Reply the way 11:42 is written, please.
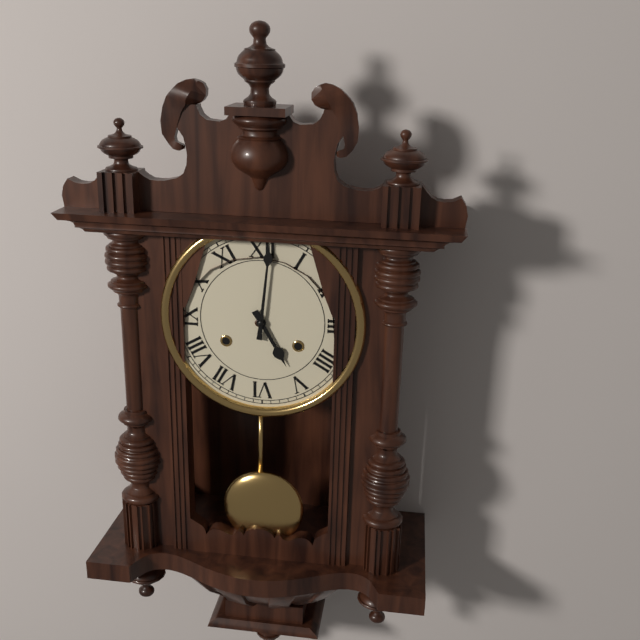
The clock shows 5:01
